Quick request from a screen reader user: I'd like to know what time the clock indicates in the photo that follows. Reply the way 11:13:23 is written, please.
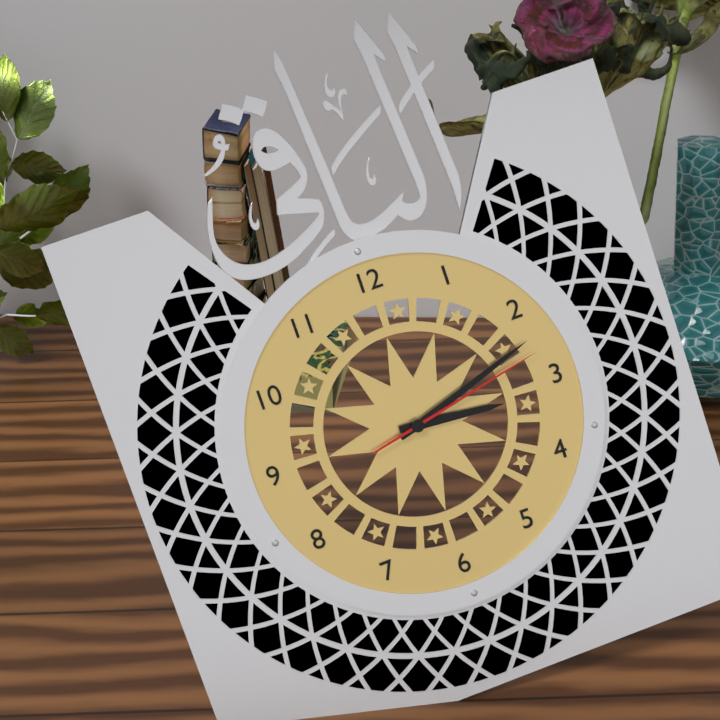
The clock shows 3:12:13
